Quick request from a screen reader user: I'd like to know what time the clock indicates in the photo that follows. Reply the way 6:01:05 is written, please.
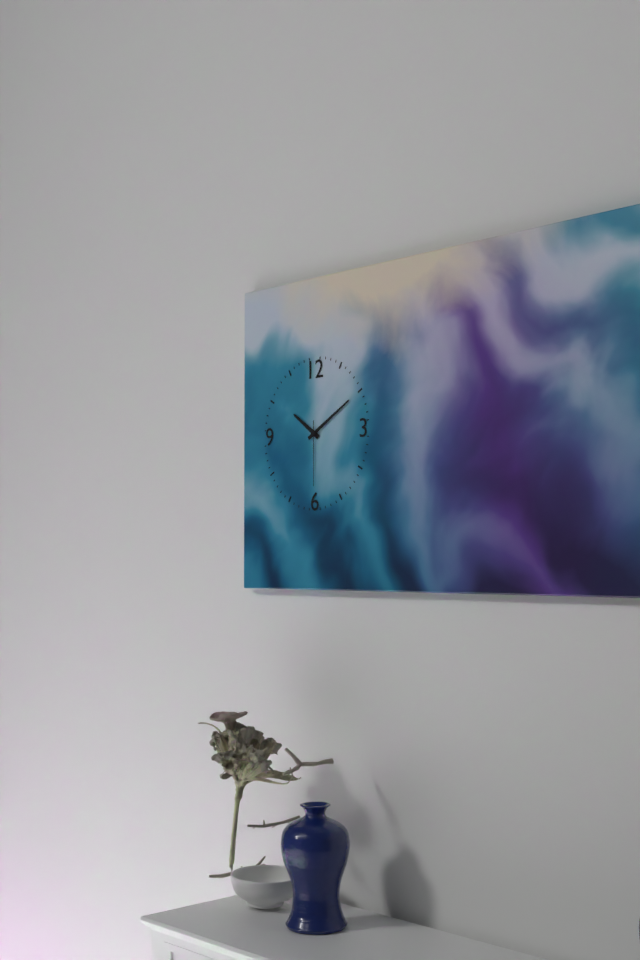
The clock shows 10:10:30
